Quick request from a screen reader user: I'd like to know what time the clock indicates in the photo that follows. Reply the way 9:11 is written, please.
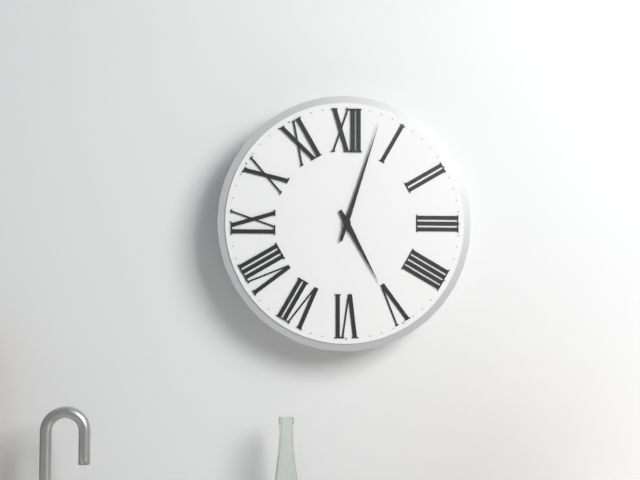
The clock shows 5:03
